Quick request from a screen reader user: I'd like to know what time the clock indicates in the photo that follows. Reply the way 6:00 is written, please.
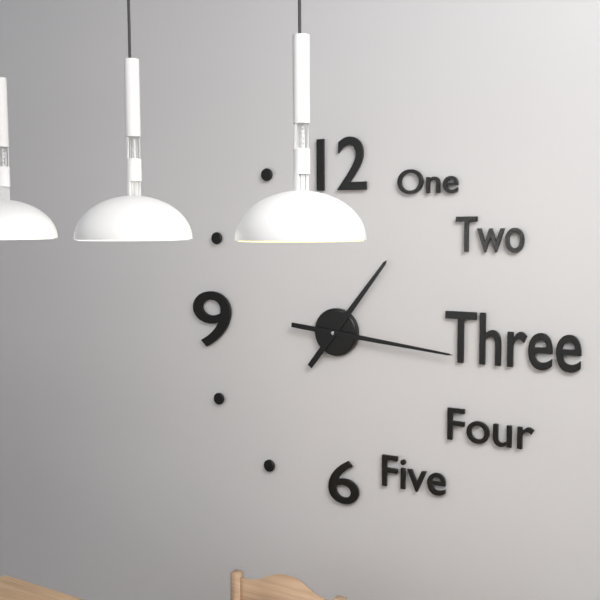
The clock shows 1:16
